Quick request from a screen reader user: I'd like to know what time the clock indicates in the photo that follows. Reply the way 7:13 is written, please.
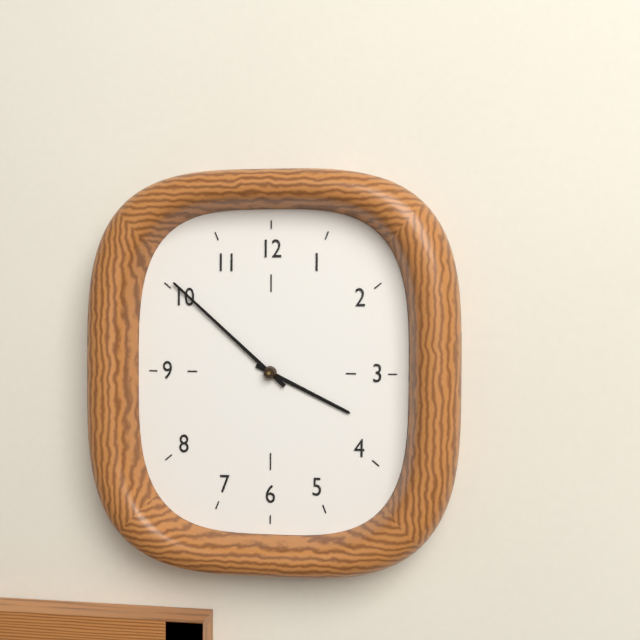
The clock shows 3:52
